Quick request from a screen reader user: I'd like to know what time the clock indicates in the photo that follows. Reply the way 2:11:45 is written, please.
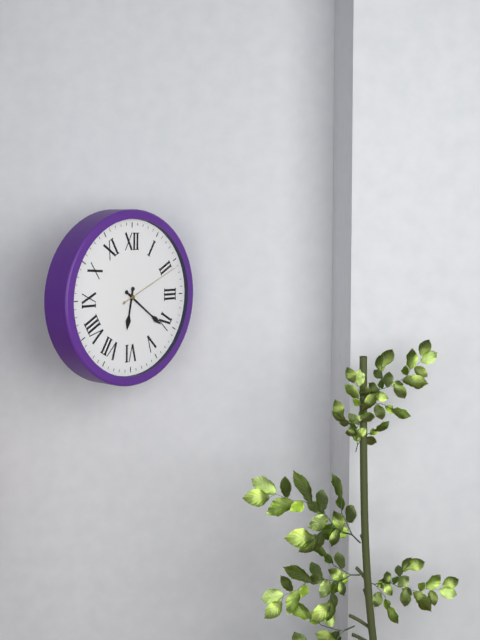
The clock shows 6:21:11
